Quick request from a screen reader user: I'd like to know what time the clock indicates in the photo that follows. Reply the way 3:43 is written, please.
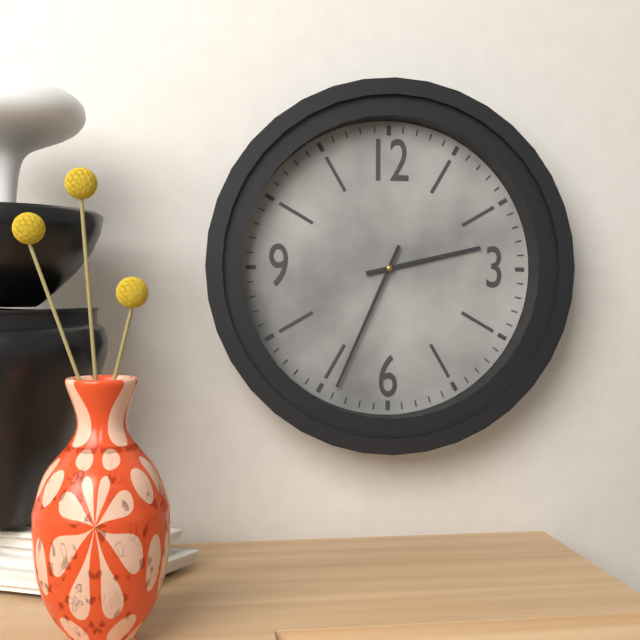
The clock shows 2:34
